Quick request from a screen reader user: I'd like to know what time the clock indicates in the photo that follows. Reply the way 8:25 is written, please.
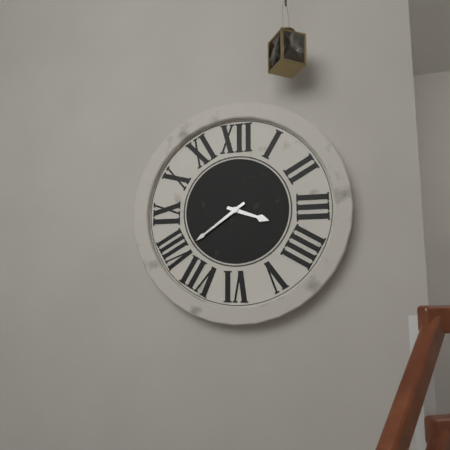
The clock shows 3:39
